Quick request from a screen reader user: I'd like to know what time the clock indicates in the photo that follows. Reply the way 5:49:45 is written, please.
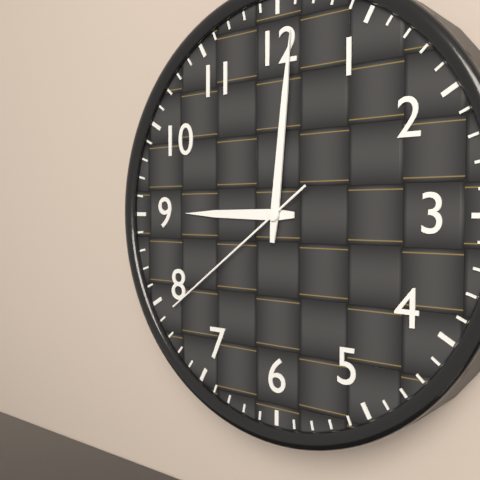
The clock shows 9:01:39
